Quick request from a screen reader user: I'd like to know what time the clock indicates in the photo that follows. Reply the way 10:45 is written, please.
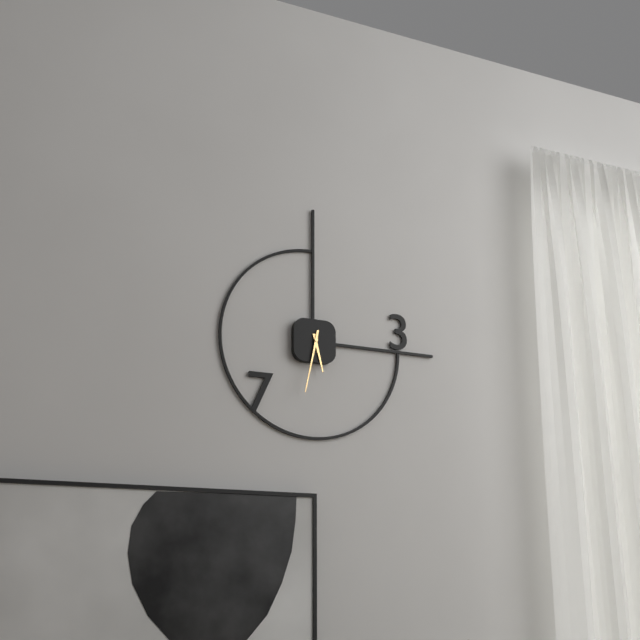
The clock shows 5:32
